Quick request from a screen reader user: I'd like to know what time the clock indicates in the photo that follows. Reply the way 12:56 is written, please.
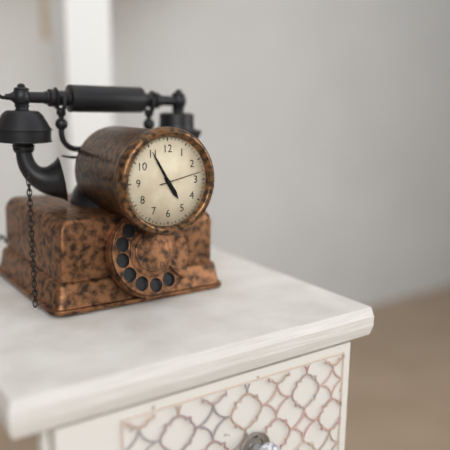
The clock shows 4:55
